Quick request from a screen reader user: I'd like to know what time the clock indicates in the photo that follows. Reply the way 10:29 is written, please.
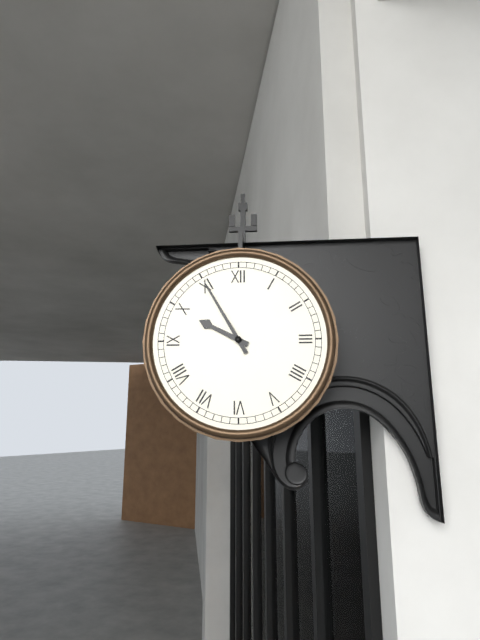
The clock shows 9:55
